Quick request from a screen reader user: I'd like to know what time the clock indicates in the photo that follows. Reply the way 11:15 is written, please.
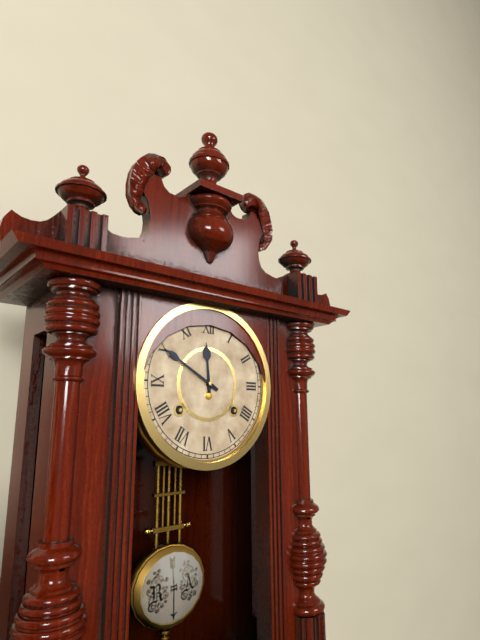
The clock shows 11:50
